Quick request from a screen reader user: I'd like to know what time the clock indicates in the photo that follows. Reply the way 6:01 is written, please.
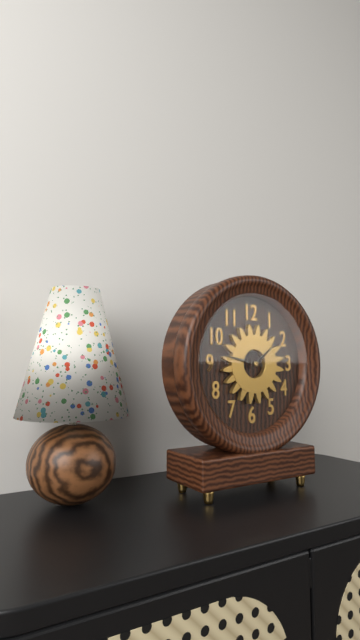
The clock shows 1:47
